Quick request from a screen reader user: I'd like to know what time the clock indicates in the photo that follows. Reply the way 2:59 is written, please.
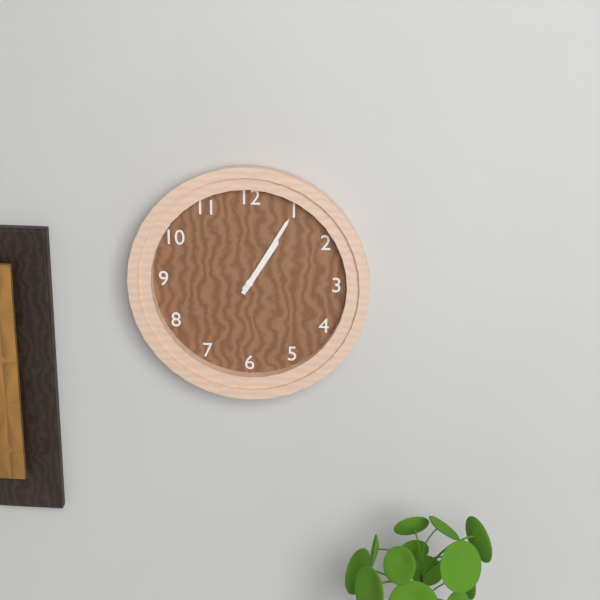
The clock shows 1:05
